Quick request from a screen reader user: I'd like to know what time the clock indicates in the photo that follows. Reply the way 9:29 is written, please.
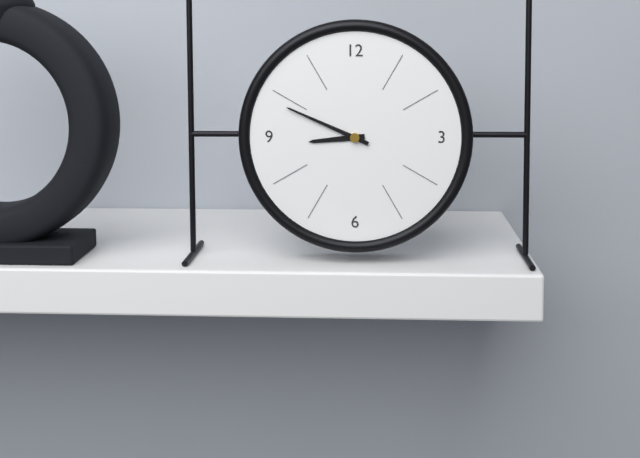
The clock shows 8:49
